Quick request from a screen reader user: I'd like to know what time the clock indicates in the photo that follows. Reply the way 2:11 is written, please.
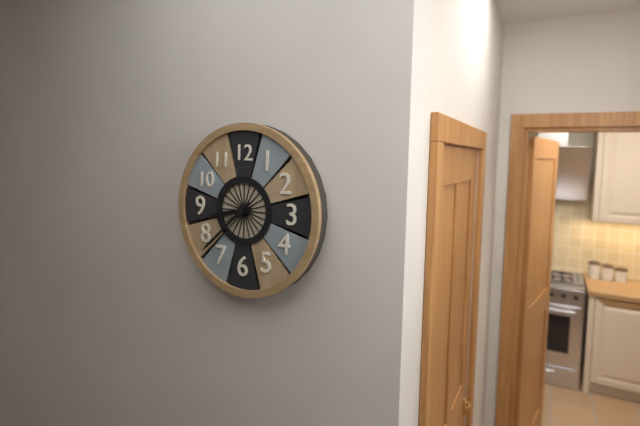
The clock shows 8:38
